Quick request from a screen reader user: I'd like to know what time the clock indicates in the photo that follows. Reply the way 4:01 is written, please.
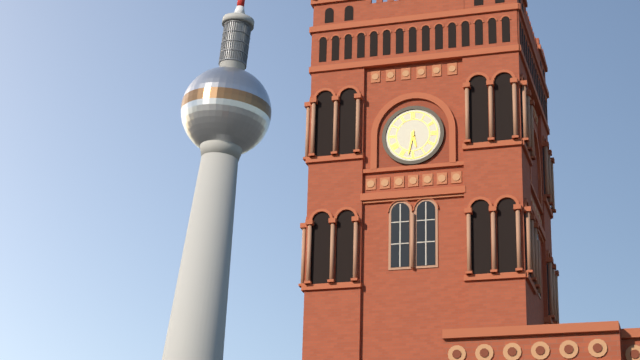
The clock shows 5:32
